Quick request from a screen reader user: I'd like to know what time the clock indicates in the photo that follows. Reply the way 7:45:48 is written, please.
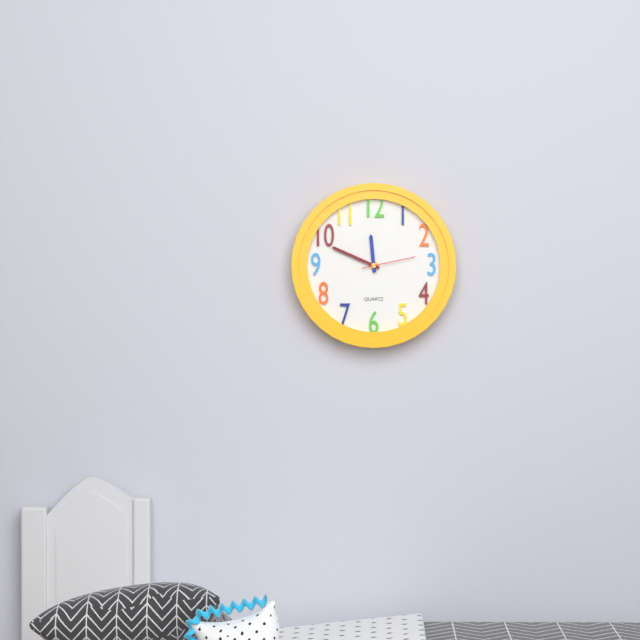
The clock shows 11:49:13
